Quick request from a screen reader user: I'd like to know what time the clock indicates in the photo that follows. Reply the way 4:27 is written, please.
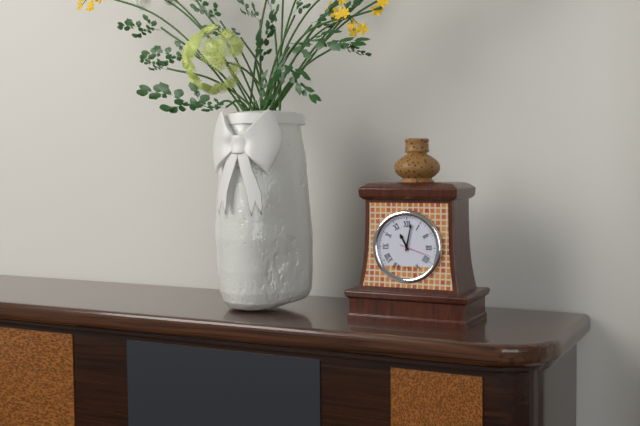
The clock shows 11:02
